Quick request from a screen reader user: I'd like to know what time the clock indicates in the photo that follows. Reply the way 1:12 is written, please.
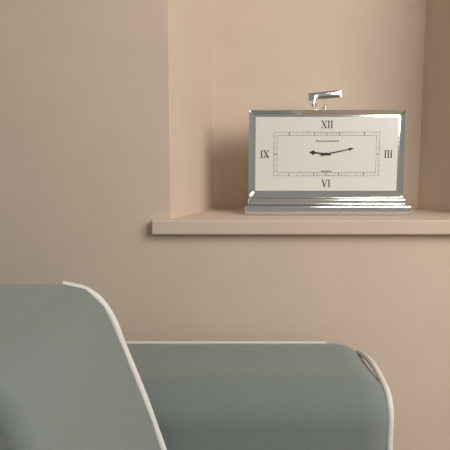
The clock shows 9:13
